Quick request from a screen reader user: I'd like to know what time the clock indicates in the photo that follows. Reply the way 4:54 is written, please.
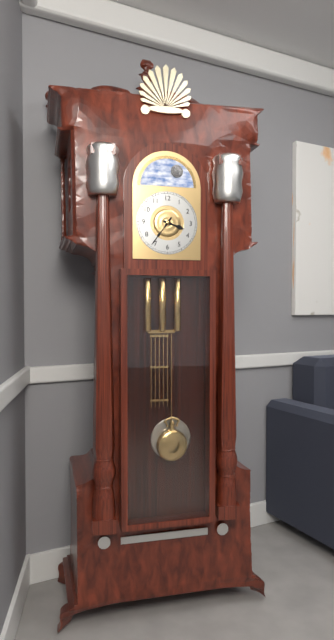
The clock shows 3:36
